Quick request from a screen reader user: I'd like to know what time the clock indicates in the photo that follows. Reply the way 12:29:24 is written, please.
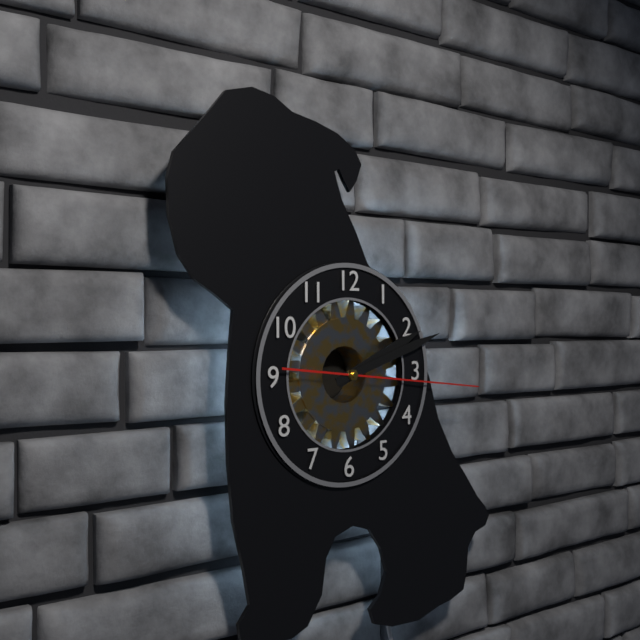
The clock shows 2:12:16
